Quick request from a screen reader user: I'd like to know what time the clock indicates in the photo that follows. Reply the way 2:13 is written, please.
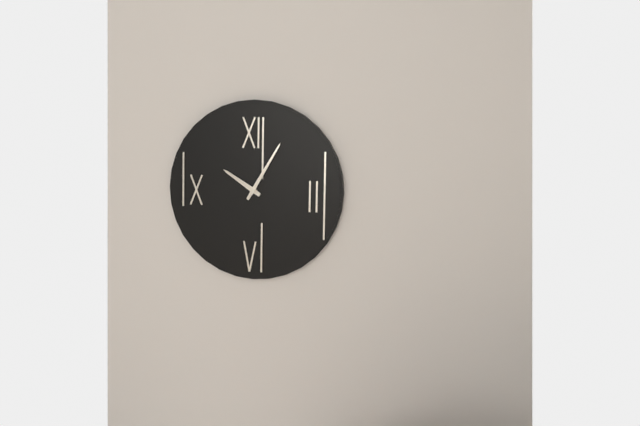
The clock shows 10:05
